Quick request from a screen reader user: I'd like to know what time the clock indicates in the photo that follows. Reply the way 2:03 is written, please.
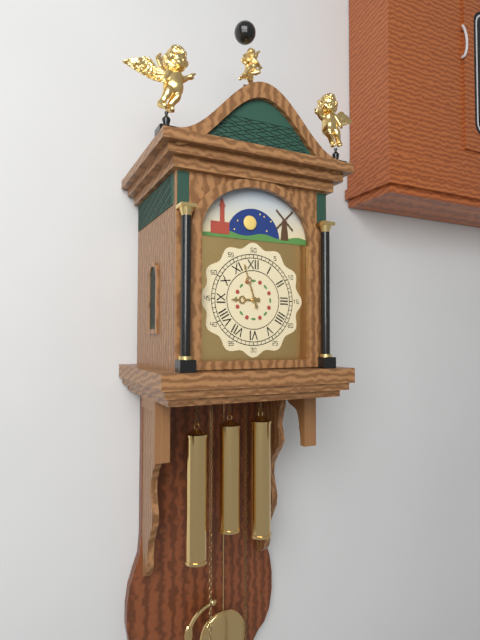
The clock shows 8:57
